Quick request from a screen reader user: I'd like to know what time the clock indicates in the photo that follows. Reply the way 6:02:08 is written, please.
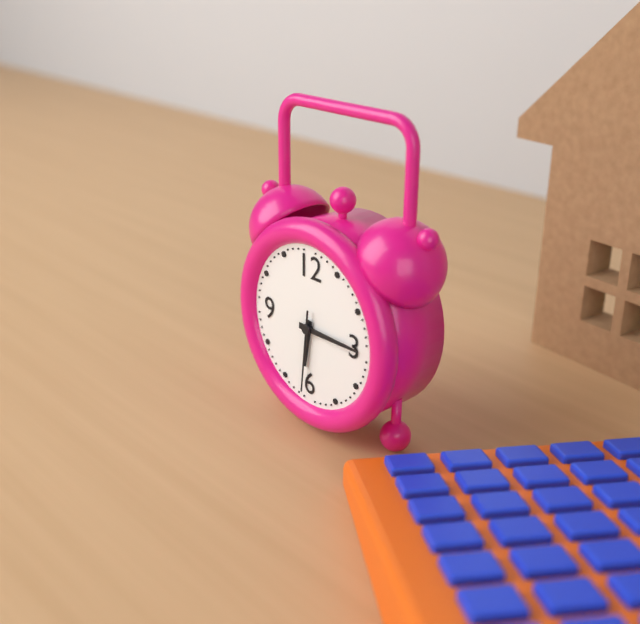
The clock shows 6:15:31
